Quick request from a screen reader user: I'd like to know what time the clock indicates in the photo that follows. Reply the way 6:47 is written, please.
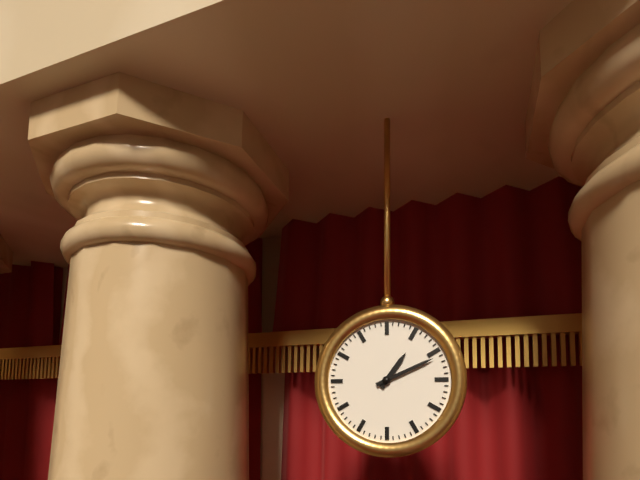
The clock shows 1:11
